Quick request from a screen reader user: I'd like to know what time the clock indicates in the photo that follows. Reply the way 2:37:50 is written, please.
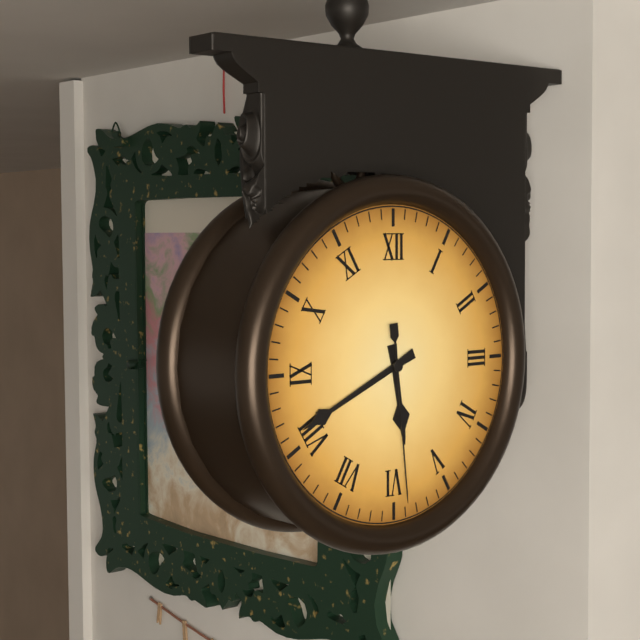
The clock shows 5:41:29
